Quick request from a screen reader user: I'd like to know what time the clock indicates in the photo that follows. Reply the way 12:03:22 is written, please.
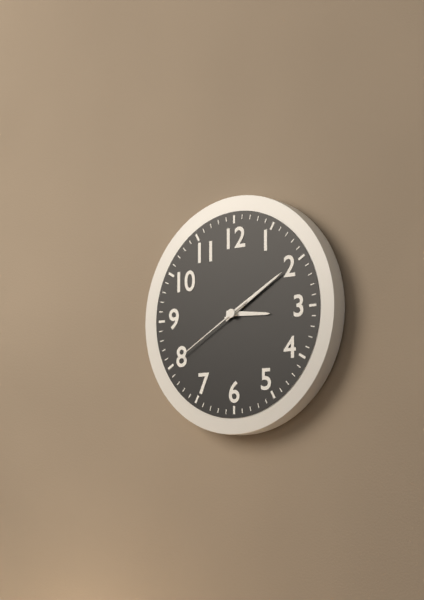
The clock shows 3:10:40
